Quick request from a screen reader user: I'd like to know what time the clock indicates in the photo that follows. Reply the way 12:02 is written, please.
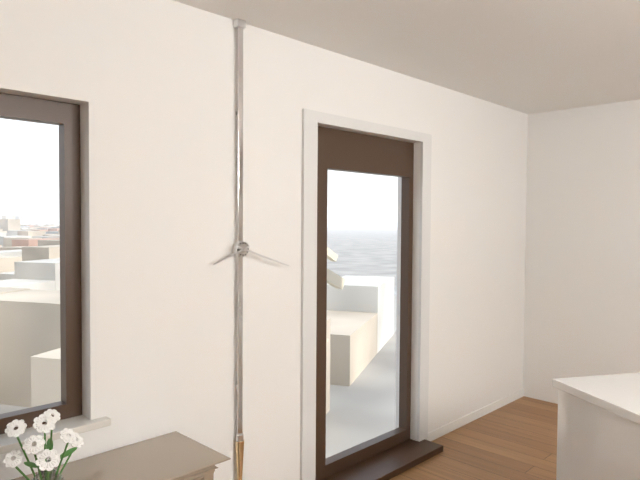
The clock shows 8:18
